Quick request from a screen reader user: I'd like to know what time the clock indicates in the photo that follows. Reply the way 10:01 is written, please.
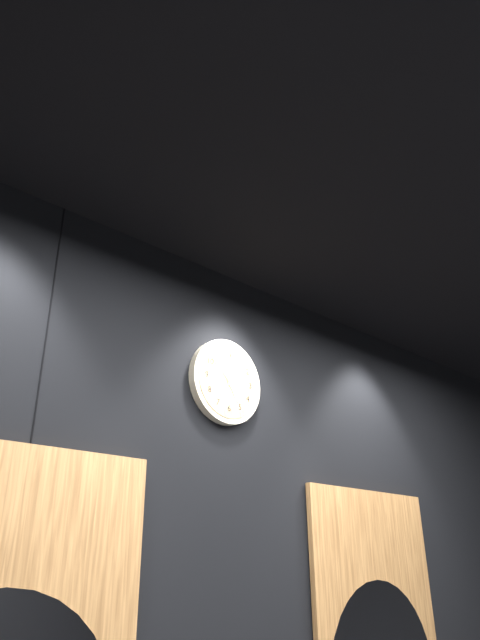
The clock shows 5:01
